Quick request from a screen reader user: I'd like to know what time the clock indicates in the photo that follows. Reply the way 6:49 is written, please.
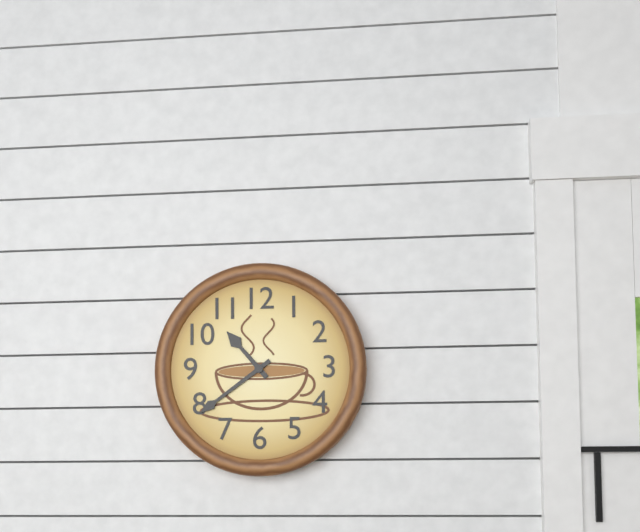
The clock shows 10:39
